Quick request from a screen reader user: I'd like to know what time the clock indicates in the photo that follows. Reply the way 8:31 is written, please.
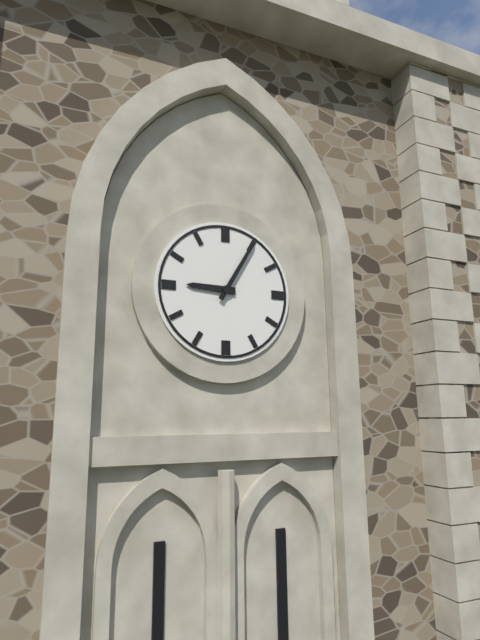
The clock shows 9:05
